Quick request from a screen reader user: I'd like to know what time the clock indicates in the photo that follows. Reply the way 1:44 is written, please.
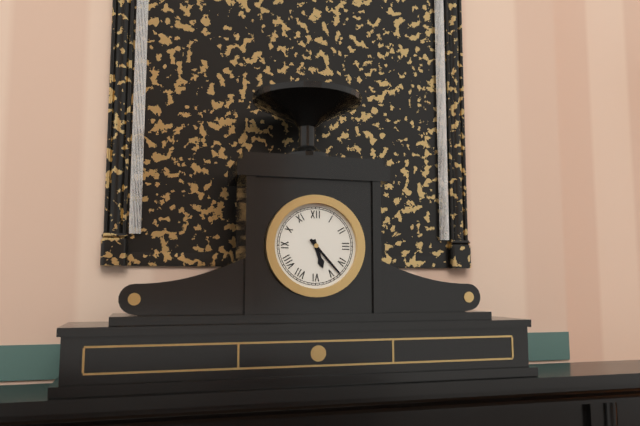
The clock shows 5:23
